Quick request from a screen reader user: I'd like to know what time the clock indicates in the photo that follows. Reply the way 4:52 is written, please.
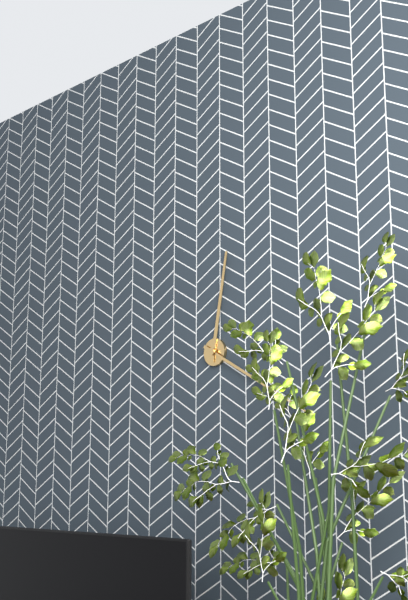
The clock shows 12:20
